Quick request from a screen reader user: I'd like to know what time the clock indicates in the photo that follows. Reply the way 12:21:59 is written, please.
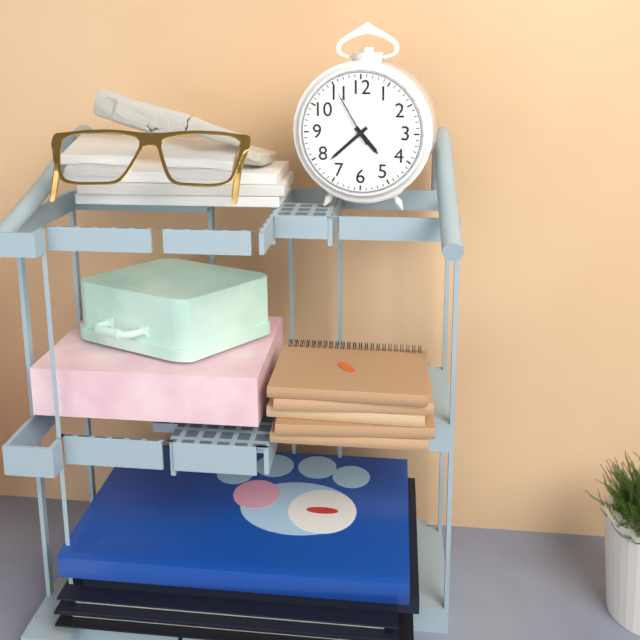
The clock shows 4:38:55
